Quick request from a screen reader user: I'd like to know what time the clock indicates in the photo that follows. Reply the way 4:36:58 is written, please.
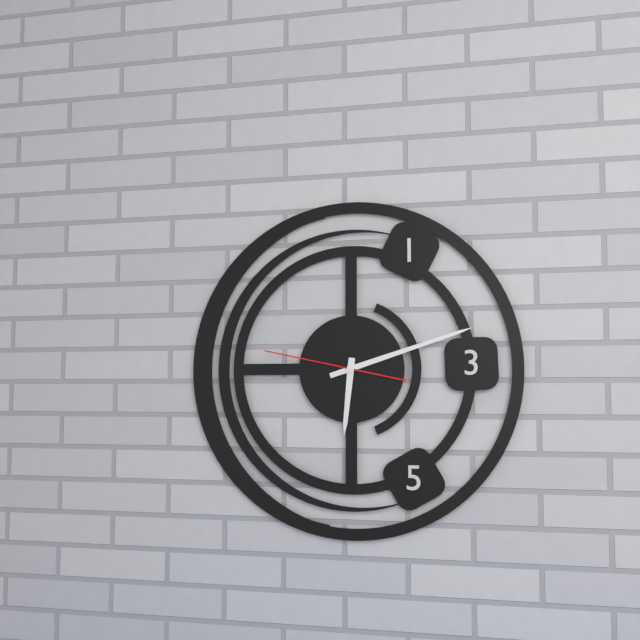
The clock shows 6:12:47
